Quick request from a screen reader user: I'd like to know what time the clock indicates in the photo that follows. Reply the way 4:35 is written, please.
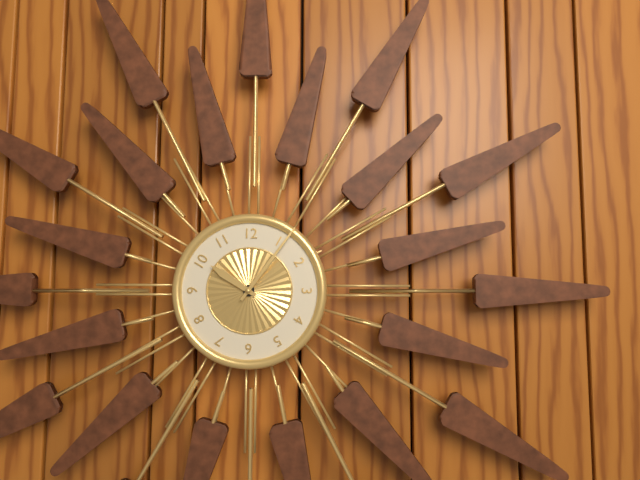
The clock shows 10:06
